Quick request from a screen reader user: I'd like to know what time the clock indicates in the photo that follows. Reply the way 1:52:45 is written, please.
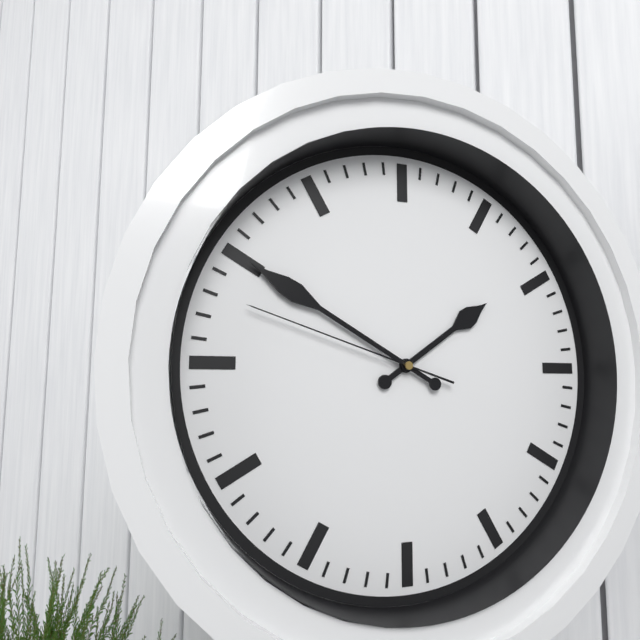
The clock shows 1:50:48
